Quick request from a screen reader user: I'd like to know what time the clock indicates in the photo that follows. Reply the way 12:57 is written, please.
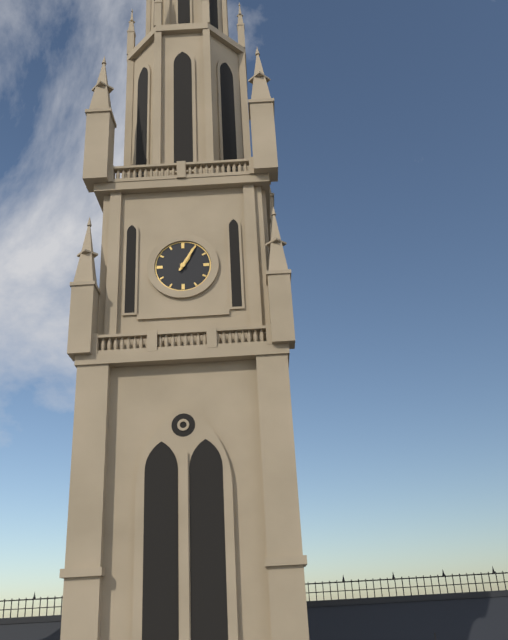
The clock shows 1:05
